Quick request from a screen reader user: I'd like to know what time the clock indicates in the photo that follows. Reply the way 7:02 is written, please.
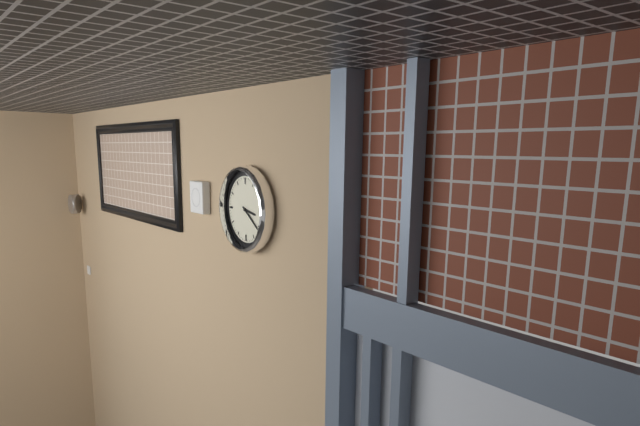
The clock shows 3:21
